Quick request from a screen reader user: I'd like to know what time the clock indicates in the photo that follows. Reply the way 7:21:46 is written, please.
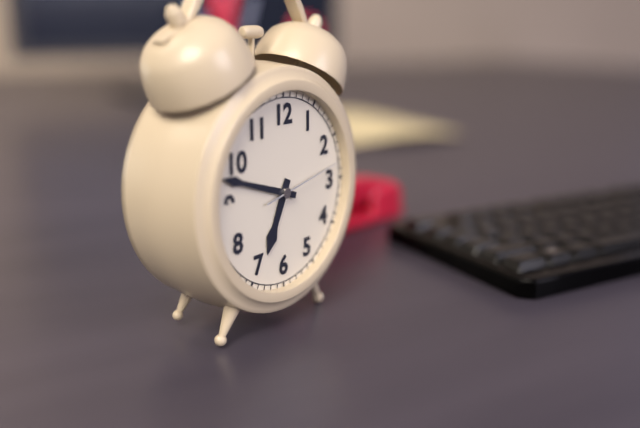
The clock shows 6:48:13
